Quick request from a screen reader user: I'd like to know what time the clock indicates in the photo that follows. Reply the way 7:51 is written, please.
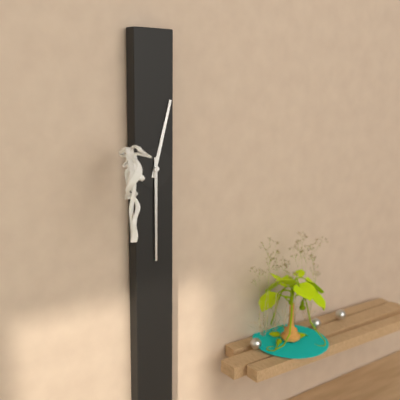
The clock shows 12:30
